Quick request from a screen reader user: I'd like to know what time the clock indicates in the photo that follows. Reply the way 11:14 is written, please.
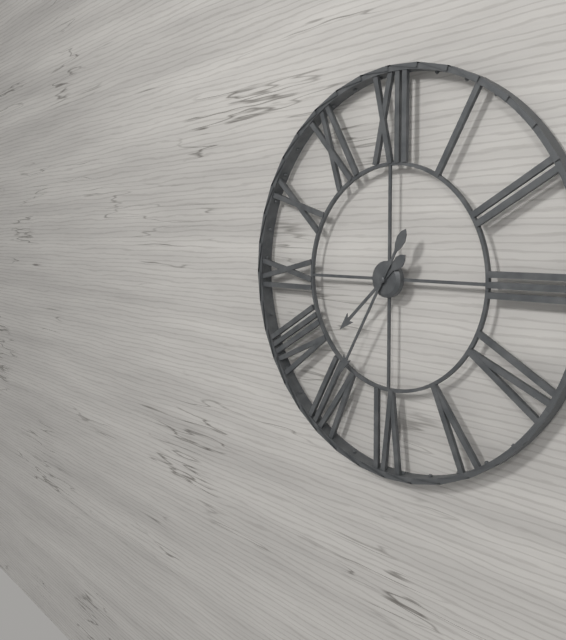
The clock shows 7:35
